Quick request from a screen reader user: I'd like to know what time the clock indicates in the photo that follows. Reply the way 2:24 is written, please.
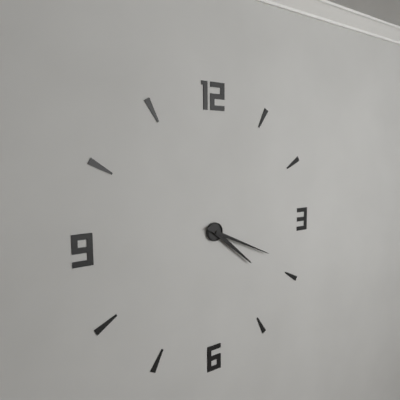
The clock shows 4:19
